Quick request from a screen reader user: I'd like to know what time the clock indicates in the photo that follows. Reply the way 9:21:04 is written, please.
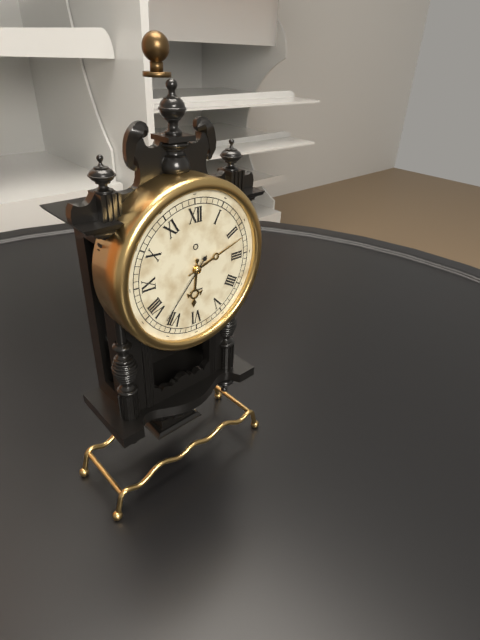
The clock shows 6:12:37
